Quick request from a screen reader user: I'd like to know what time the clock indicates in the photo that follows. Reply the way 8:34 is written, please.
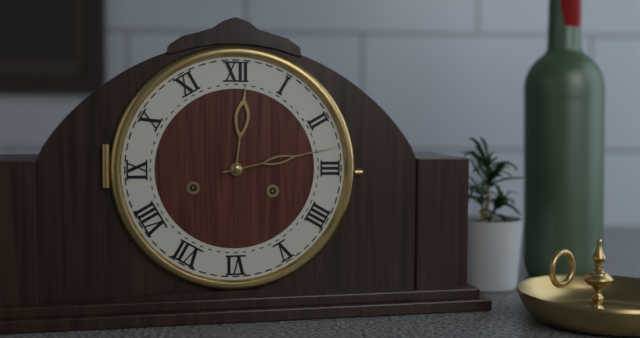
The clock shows 12:13
